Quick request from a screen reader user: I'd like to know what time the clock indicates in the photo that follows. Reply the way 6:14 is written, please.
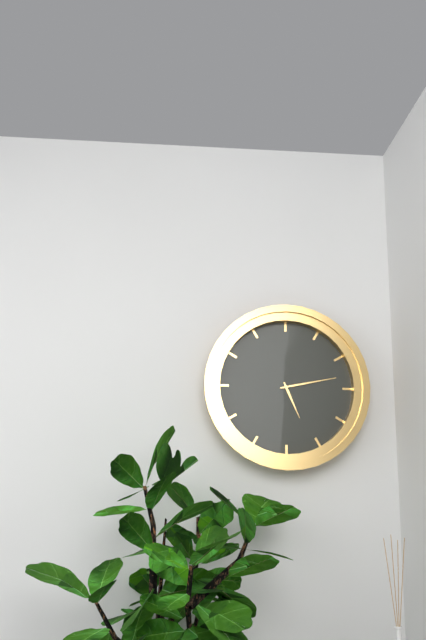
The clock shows 5:13
